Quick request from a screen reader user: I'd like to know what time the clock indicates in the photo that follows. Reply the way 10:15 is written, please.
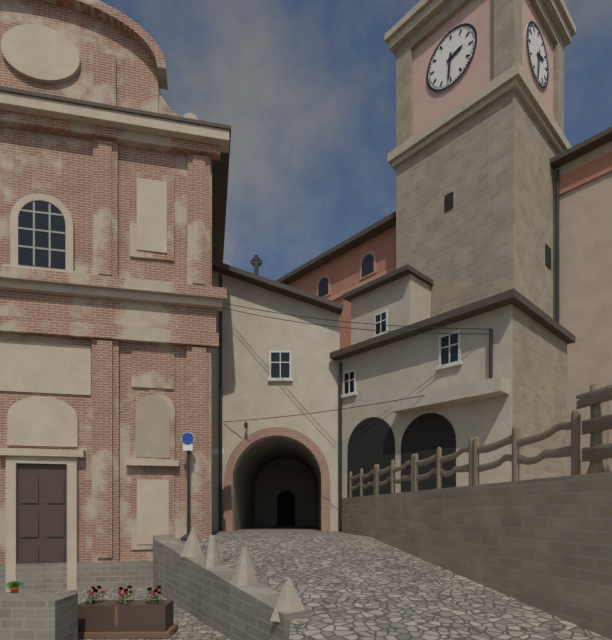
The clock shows 2:31
